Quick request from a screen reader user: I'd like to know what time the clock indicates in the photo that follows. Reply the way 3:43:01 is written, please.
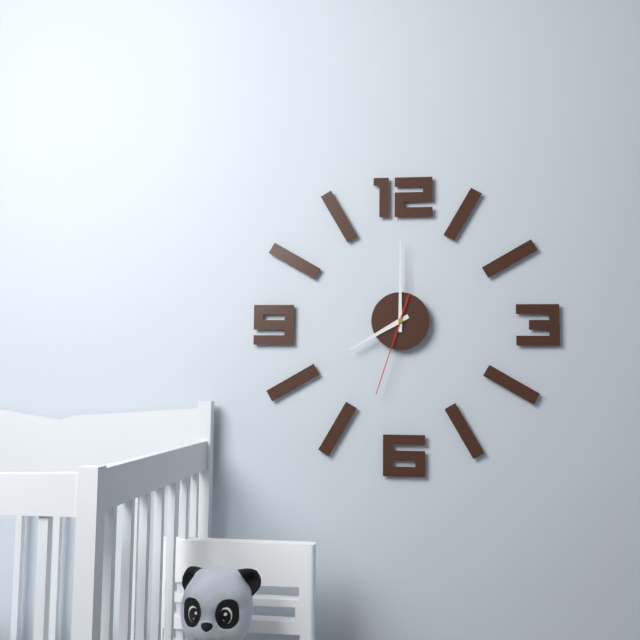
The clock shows 8:00:33
